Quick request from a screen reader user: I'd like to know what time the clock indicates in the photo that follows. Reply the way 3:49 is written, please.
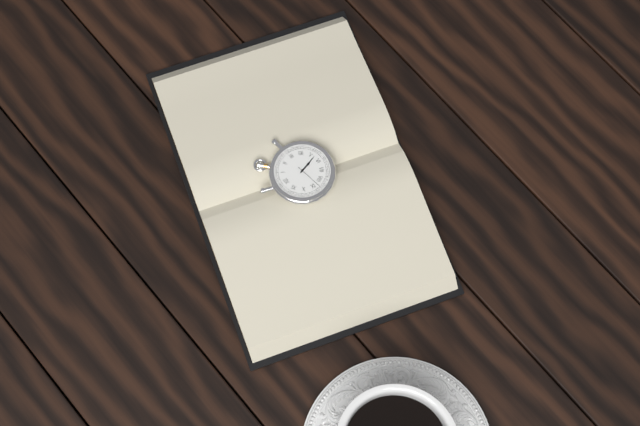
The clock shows 5:27
